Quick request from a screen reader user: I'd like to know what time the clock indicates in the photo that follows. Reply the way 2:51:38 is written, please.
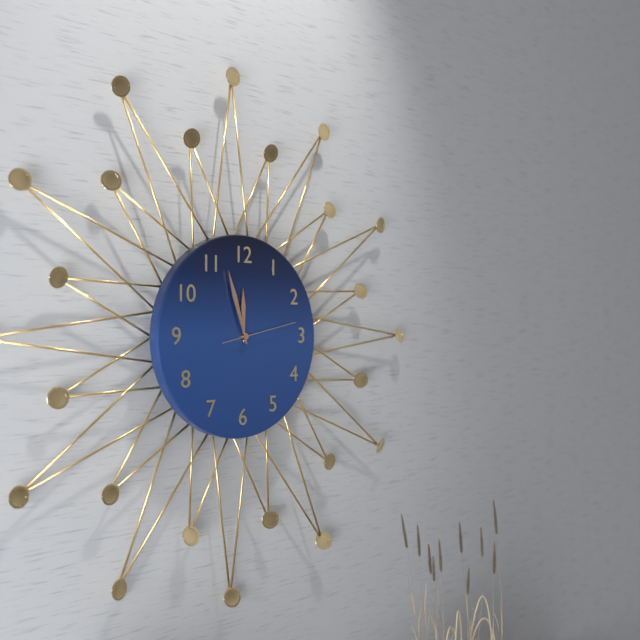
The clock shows 11:57:13
